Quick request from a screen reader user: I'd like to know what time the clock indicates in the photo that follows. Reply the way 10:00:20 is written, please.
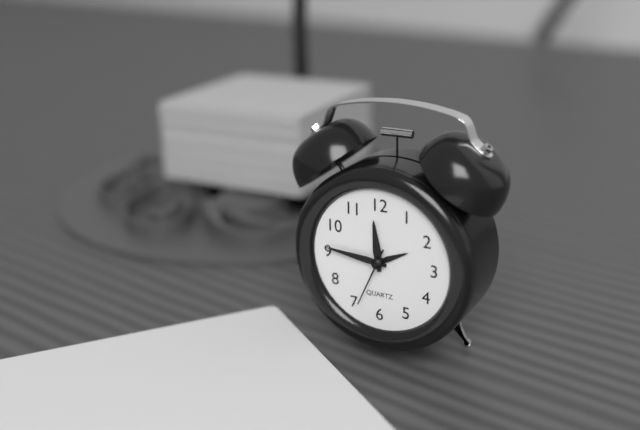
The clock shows 11:46:34
